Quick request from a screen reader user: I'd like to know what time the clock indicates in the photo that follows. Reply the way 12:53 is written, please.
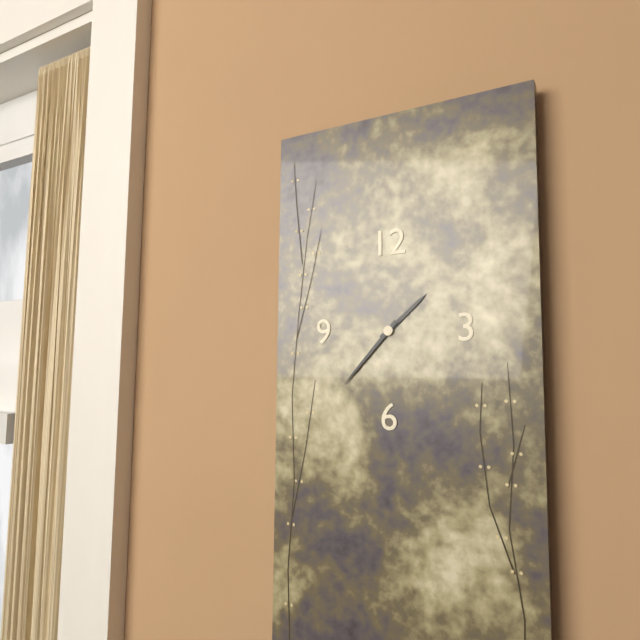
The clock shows 1:37
